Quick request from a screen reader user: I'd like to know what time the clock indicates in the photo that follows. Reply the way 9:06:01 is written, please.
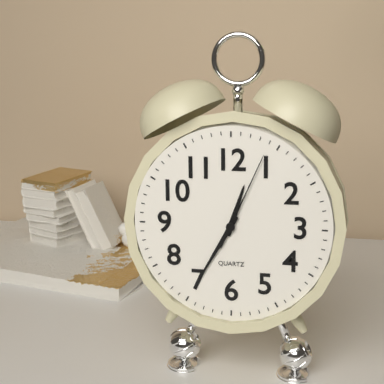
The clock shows 12:35:04
